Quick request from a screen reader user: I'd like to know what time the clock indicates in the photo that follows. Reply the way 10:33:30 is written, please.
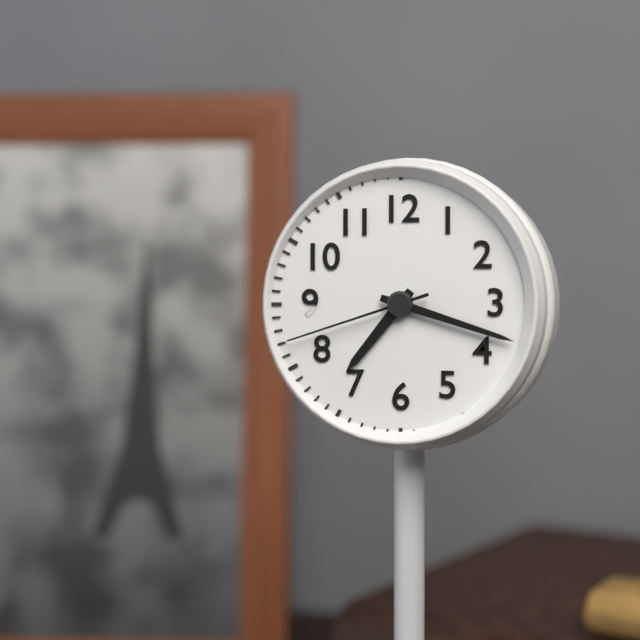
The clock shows 7:18:42
